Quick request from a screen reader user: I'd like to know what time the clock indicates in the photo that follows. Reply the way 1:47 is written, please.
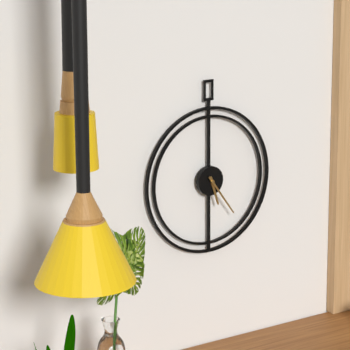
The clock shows 5:24
